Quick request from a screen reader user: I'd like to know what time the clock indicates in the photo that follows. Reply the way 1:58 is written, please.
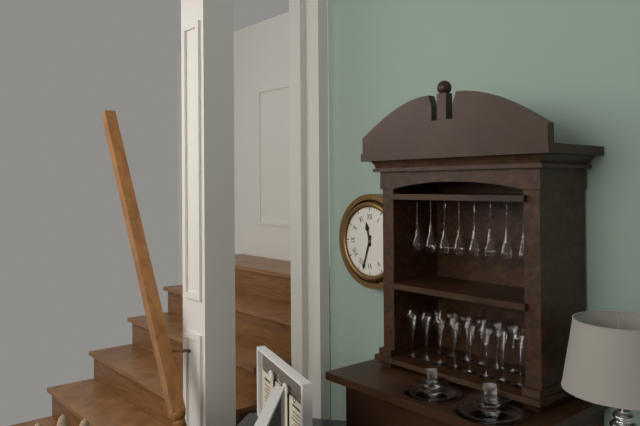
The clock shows 11:33
